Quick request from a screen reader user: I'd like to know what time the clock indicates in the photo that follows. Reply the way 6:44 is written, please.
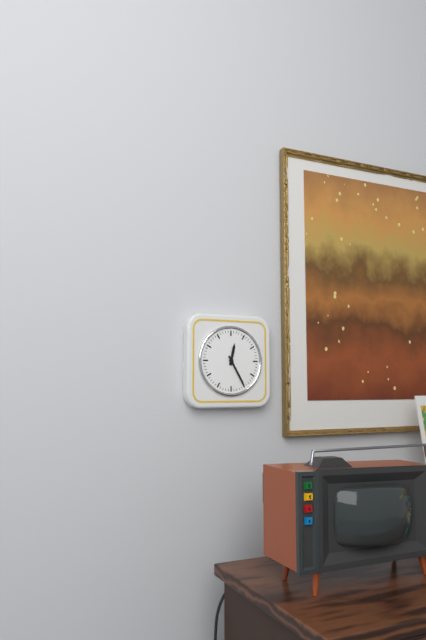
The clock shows 12:25
